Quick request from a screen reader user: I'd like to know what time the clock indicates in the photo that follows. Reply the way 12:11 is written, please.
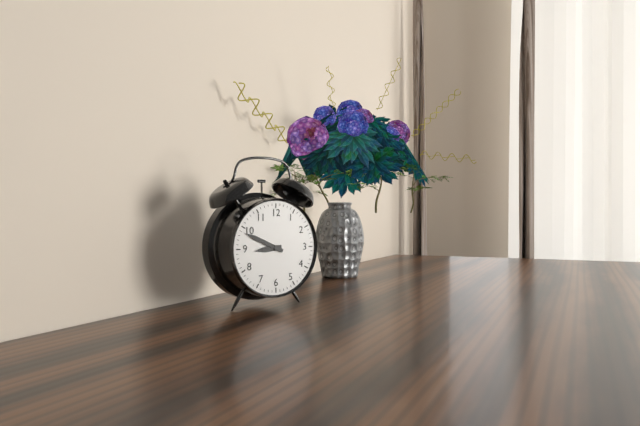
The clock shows 8:49
